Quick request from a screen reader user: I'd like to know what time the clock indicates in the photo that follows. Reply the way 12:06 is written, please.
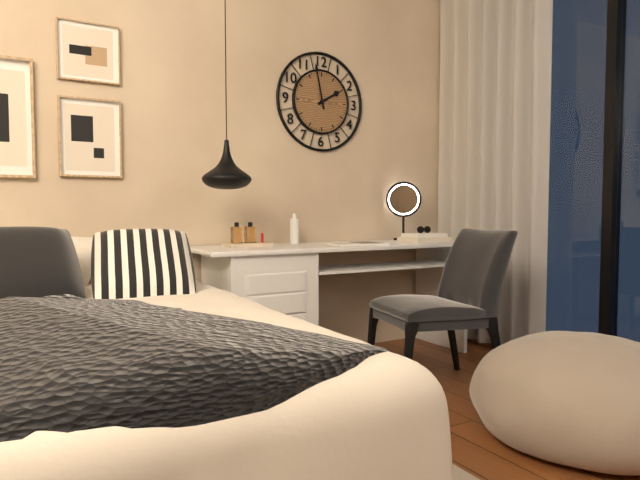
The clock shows 1:58
